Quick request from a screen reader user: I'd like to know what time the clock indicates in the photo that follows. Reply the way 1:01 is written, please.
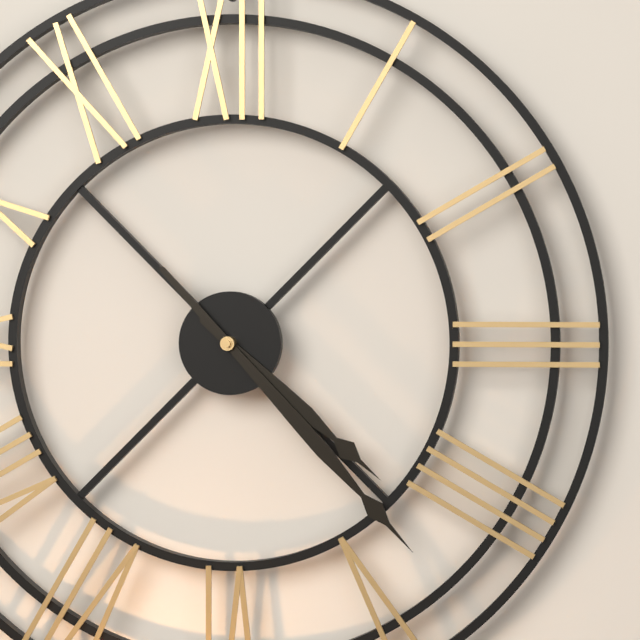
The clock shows 4:23
